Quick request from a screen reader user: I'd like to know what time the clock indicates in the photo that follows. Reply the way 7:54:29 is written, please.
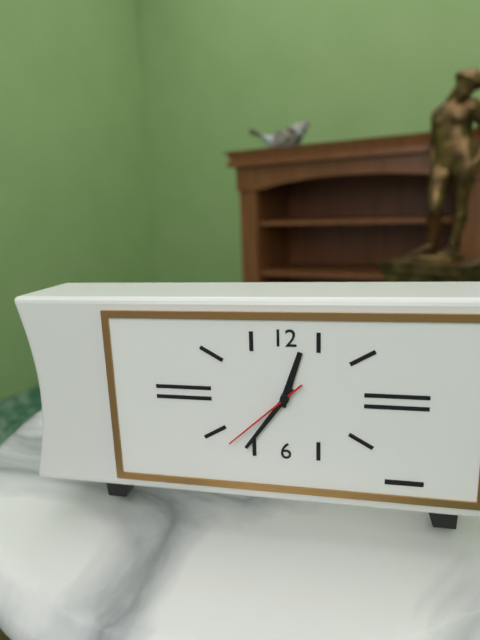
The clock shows 12:36:38
